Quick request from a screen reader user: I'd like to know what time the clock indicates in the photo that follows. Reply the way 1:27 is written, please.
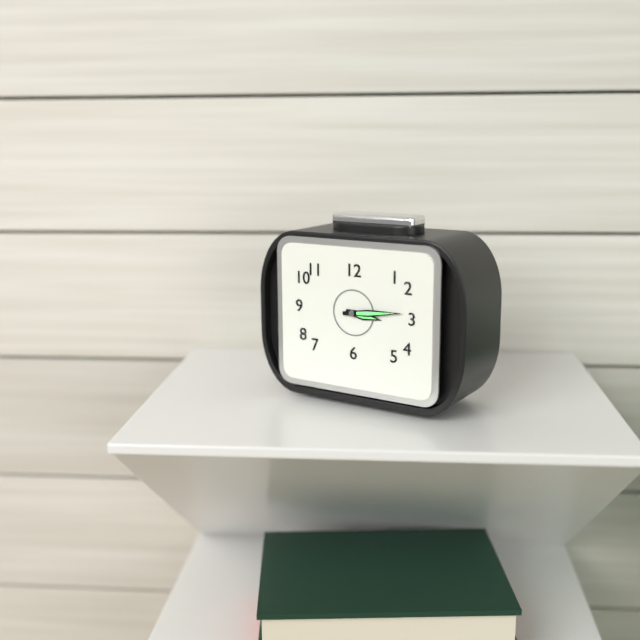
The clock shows 3:14
